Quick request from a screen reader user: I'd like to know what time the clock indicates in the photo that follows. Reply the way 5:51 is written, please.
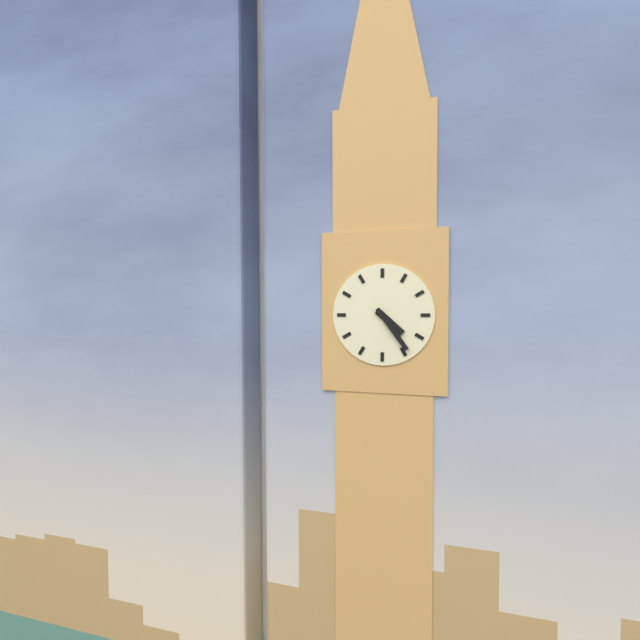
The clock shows 4:24
